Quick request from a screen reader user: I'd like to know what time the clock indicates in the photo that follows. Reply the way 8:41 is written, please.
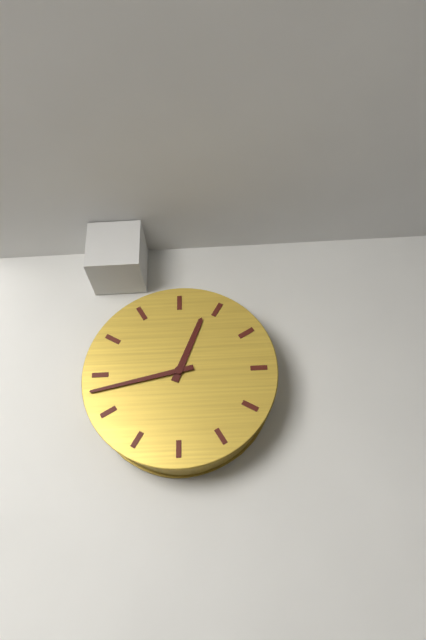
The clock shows 12:43
